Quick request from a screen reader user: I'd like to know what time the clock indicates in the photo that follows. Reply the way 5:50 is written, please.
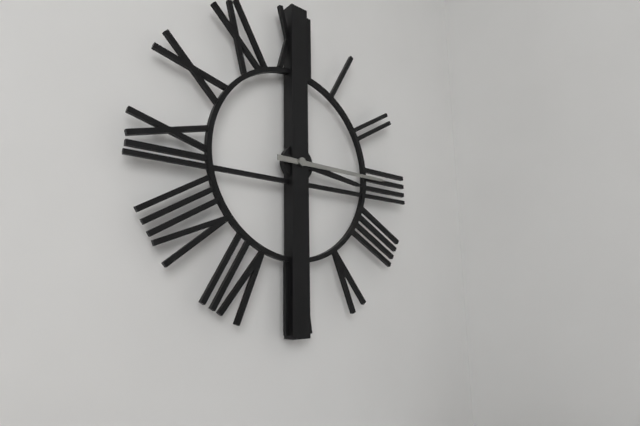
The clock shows 3:15
